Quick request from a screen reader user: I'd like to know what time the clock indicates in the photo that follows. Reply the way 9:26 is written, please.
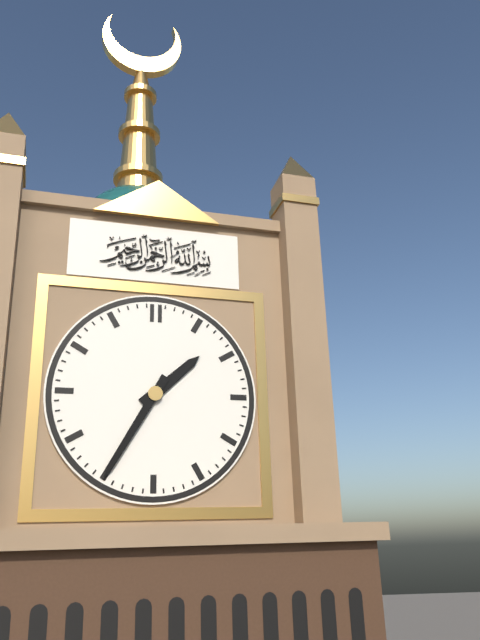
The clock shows 1:35
